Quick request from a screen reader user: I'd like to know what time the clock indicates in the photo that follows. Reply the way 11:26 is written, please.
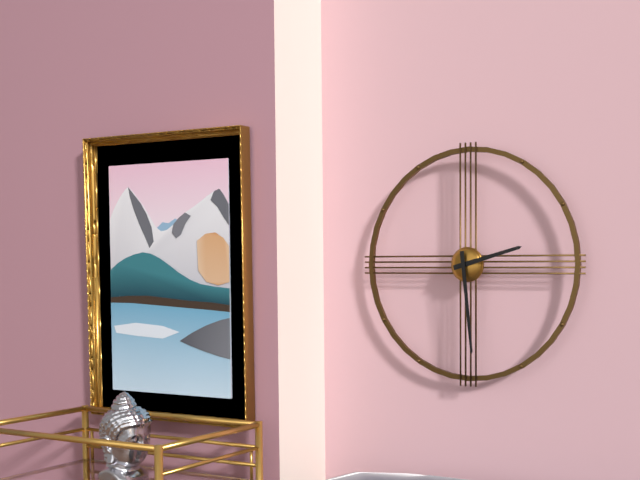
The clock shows 2:29
